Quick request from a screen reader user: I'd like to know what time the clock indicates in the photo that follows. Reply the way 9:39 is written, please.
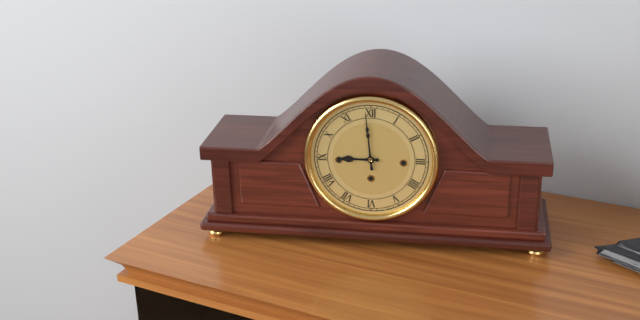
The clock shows 8:59
